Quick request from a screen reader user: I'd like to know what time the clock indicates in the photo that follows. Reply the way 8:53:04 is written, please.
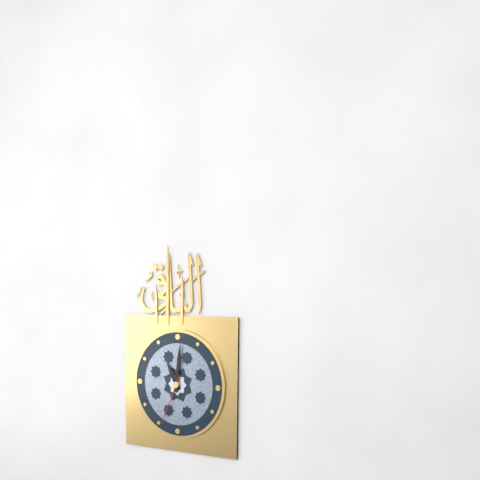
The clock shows 11:01:34
